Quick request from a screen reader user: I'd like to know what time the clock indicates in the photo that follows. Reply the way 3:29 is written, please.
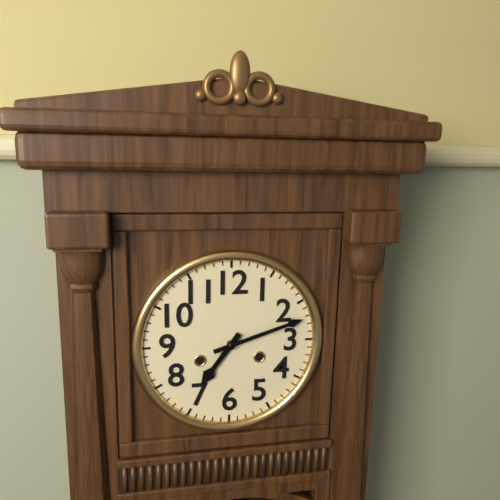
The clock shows 7:12
